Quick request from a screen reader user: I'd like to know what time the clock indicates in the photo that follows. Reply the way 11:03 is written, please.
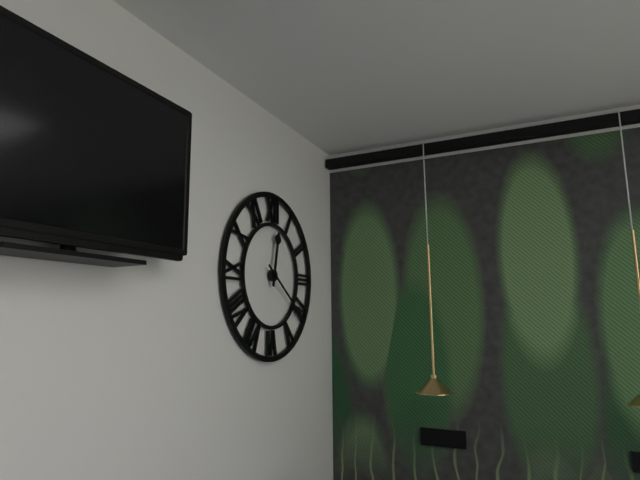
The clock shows 12:21
